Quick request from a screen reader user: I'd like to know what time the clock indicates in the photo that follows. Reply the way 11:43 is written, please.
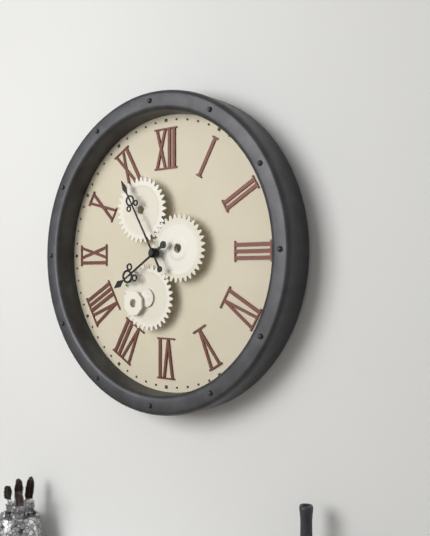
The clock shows 7:55
